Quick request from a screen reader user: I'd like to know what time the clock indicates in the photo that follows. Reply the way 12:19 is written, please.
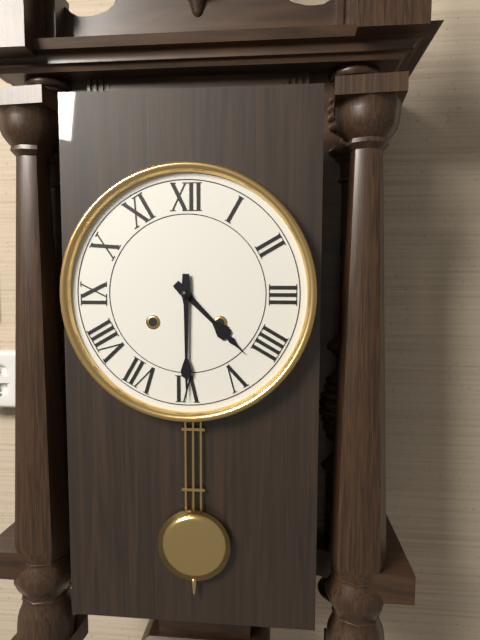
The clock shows 4:30
